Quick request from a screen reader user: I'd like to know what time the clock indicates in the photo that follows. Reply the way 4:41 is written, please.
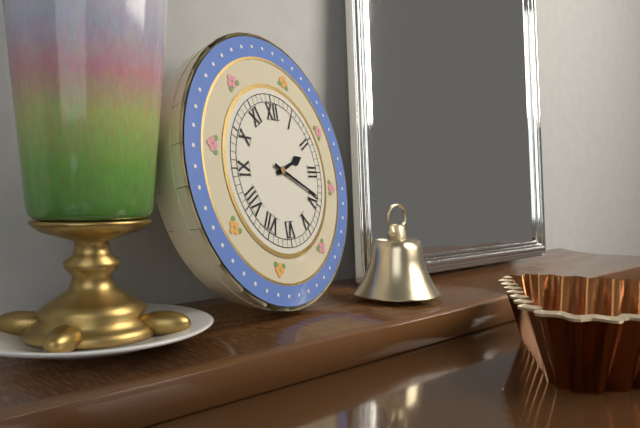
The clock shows 2:19
